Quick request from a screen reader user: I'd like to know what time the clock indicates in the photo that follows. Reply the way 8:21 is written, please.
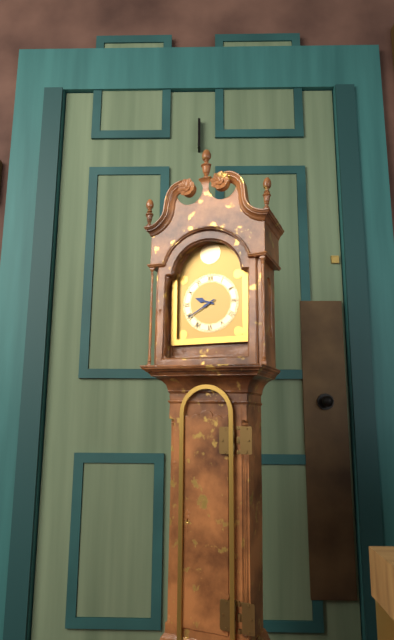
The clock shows 9:40
